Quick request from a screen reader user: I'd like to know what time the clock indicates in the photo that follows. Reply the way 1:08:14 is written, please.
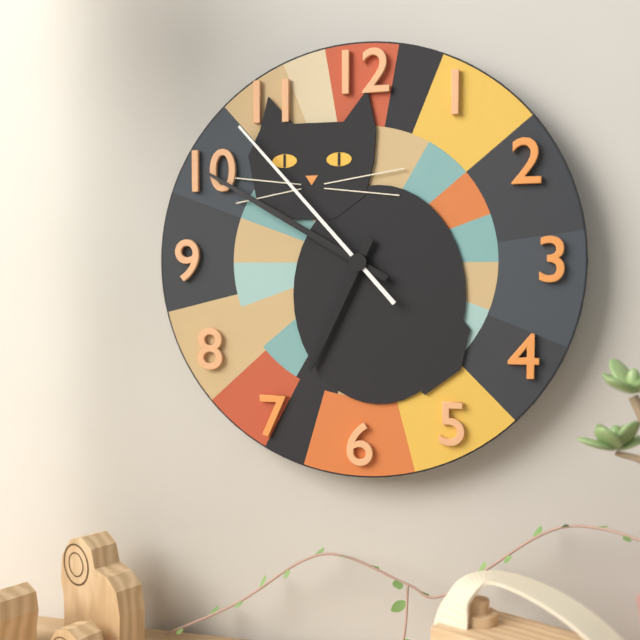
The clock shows 6:50:53
